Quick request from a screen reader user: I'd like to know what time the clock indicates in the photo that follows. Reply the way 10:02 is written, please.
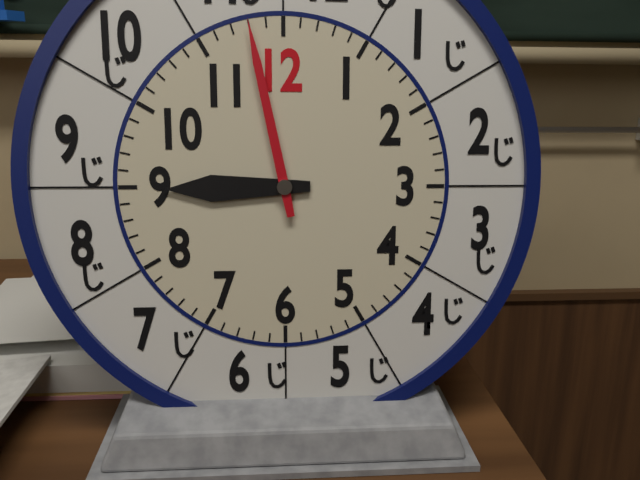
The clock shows 8:58
